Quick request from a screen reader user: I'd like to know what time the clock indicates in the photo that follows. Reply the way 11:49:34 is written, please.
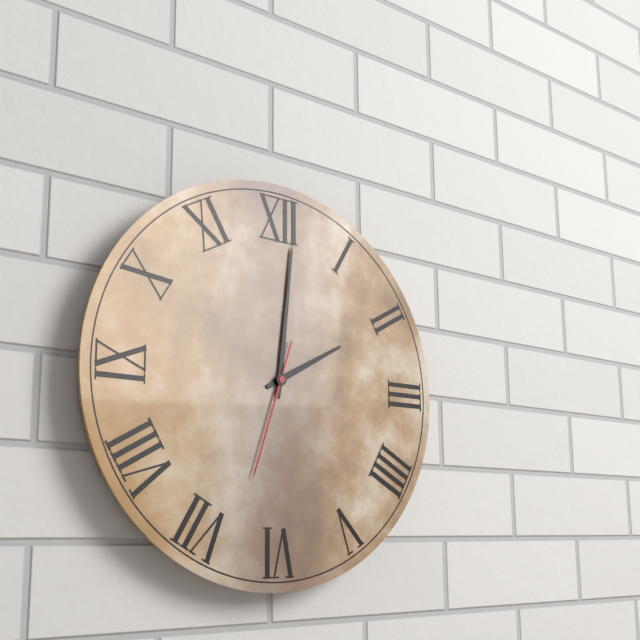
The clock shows 2:01:33
